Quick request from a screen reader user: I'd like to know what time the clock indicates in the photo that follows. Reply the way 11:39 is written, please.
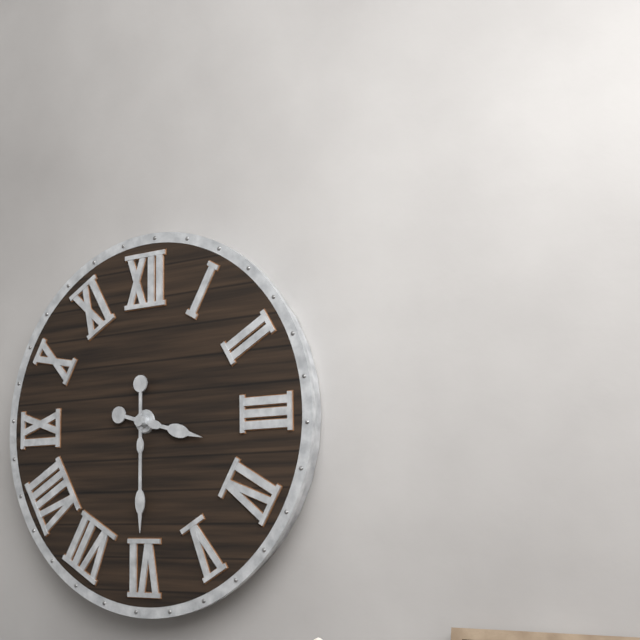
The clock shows 3:30
